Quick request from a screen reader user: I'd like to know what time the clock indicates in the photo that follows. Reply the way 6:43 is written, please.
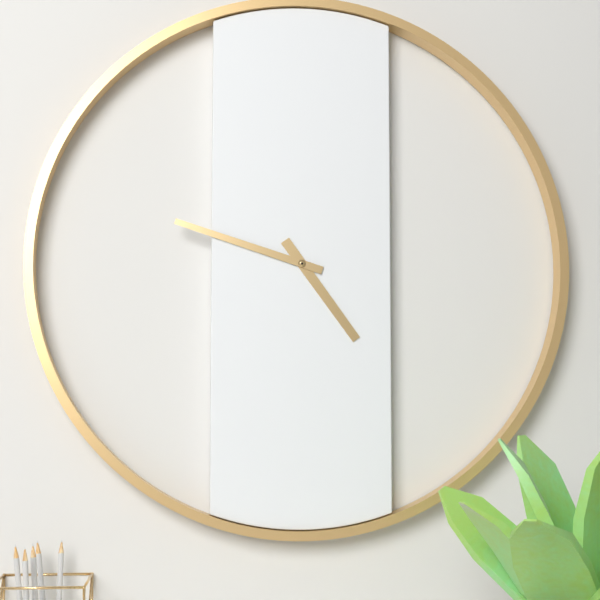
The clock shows 4:48
